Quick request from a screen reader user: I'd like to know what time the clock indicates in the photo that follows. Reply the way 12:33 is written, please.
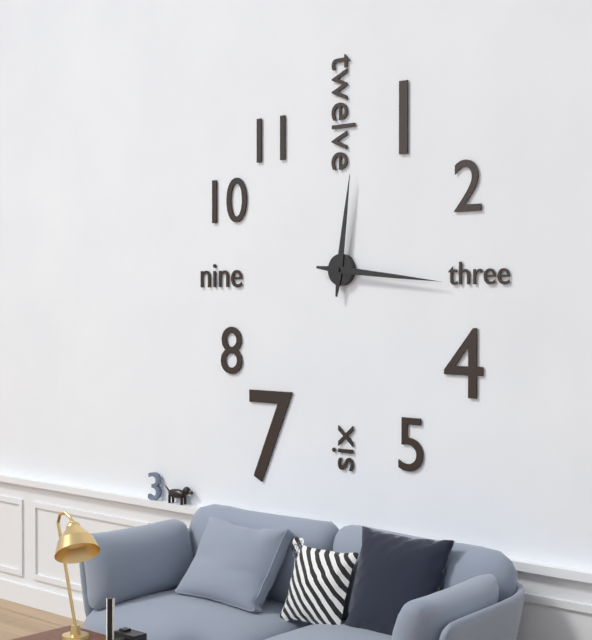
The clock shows 12:16
